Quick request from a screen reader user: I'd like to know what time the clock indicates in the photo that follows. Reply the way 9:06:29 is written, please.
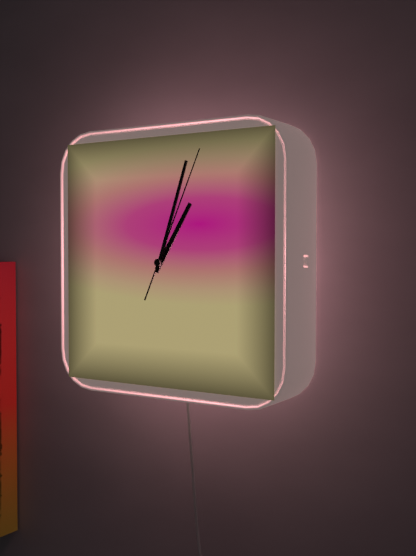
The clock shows 1:03:04
